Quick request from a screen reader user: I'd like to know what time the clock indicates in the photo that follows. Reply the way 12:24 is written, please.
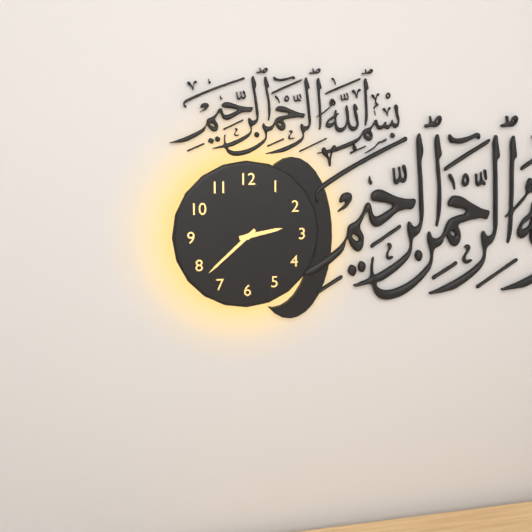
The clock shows 2:38
